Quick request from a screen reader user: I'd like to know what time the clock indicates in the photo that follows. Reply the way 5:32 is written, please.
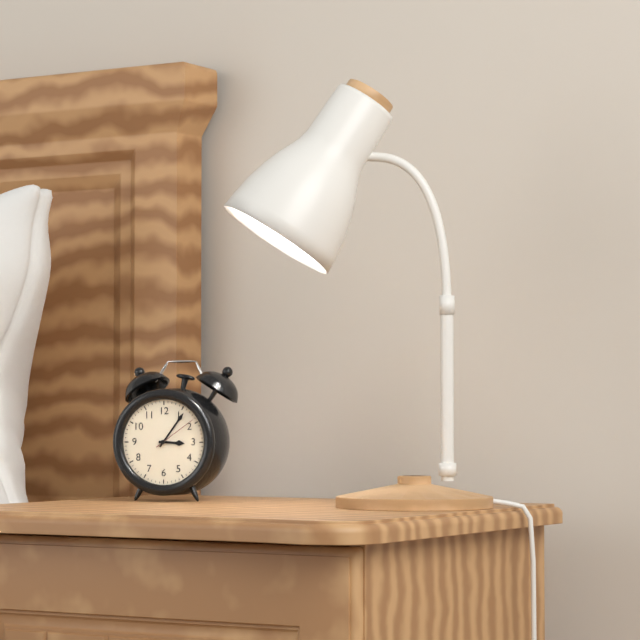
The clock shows 3:06
